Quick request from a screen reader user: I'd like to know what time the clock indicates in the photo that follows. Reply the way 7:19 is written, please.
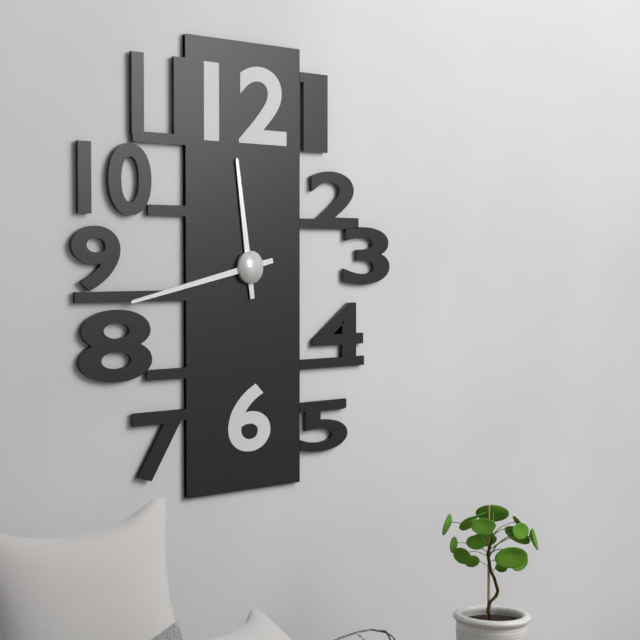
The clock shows 11:43
